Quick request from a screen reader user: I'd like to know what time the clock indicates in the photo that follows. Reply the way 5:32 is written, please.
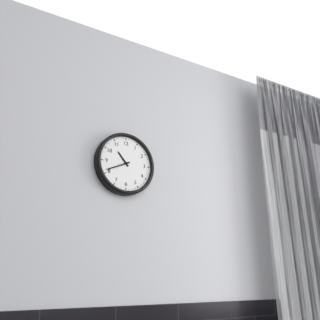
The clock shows 10:41
